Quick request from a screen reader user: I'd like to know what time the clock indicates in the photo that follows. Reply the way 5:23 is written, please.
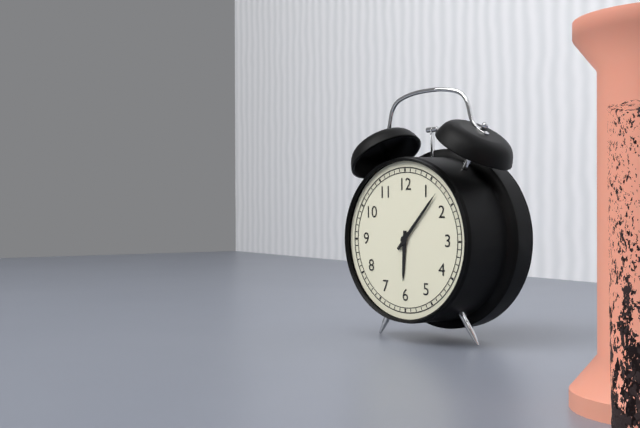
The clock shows 6:07
